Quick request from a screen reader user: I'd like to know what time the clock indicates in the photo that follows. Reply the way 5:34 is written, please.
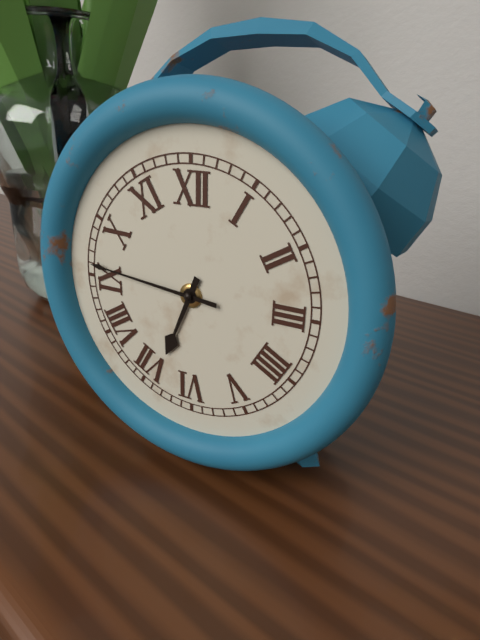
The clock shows 6:46
